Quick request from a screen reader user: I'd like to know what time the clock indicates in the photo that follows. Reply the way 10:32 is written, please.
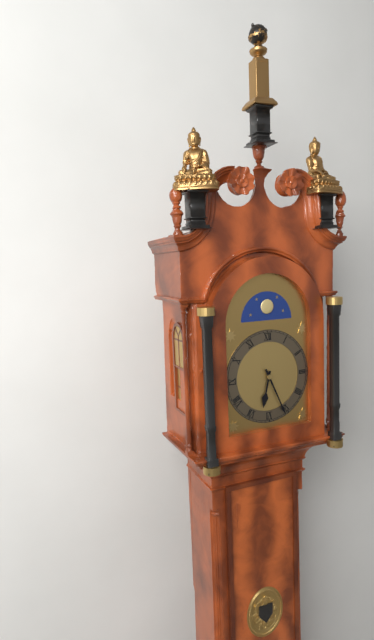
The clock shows 6:26
